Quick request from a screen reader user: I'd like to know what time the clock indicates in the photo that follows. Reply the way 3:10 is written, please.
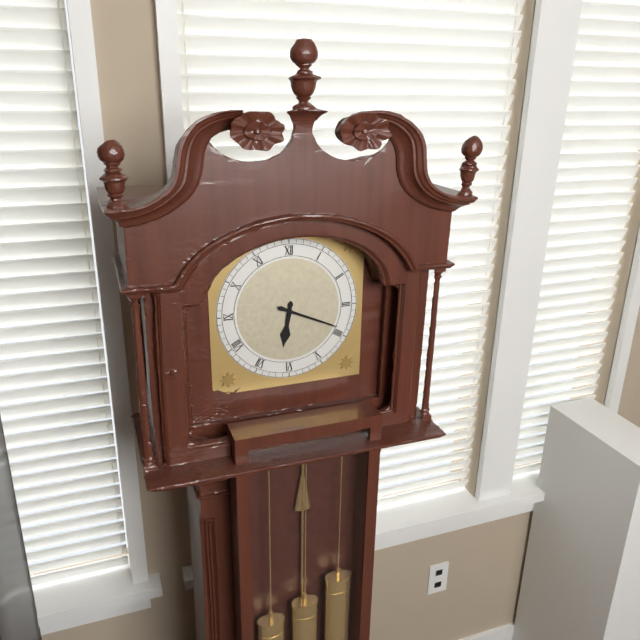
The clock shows 6:19
